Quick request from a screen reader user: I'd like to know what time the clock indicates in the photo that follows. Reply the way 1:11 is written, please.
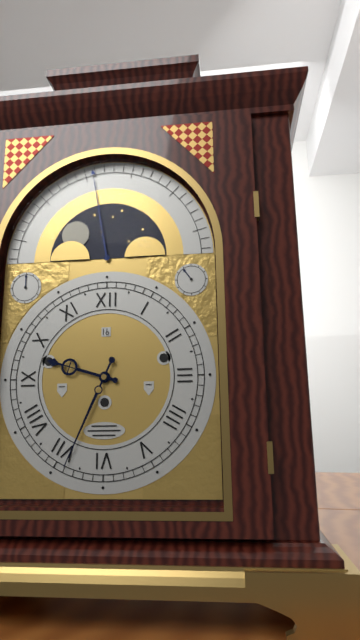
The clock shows 9:34
